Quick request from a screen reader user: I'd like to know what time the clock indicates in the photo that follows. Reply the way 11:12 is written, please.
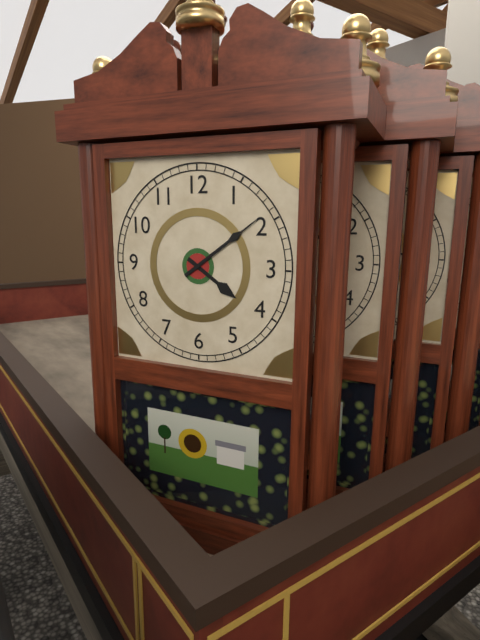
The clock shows 4:09
